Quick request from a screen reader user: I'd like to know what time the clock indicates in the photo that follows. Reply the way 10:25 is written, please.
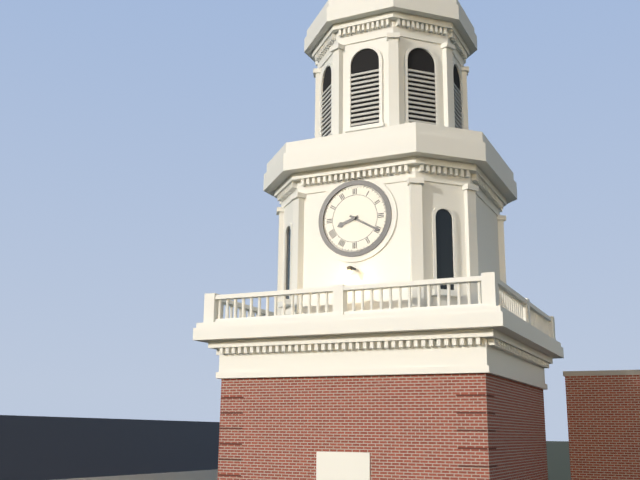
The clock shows 8:20
